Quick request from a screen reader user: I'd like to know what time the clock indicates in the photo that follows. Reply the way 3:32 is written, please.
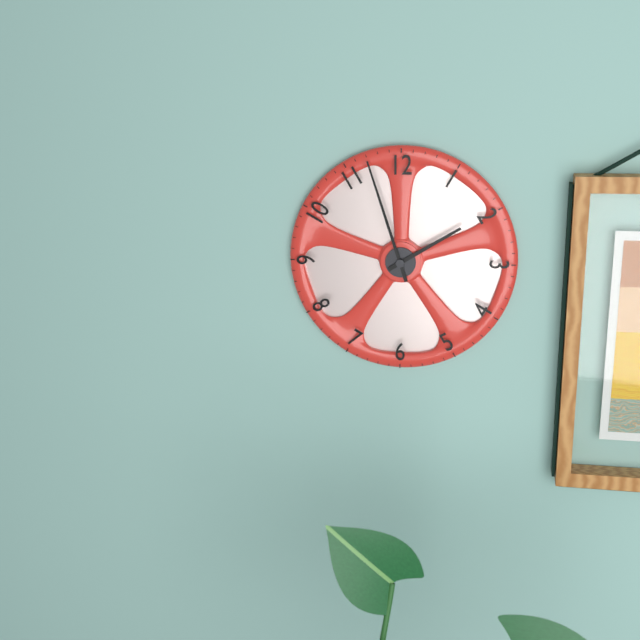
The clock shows 1:57
